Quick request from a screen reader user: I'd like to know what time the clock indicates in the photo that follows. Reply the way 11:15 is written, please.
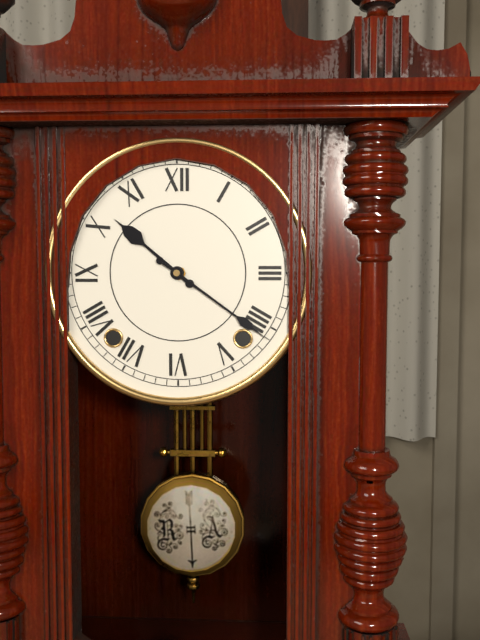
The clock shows 10:21
